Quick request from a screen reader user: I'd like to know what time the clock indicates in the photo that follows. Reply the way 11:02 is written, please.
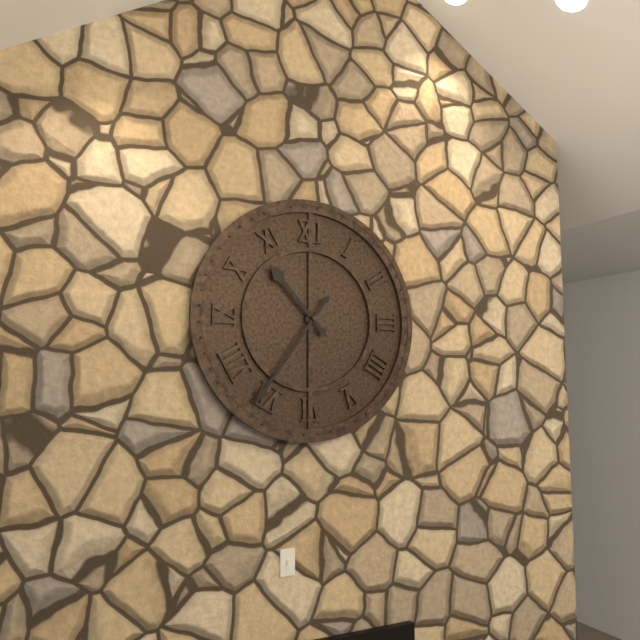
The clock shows 10:36
